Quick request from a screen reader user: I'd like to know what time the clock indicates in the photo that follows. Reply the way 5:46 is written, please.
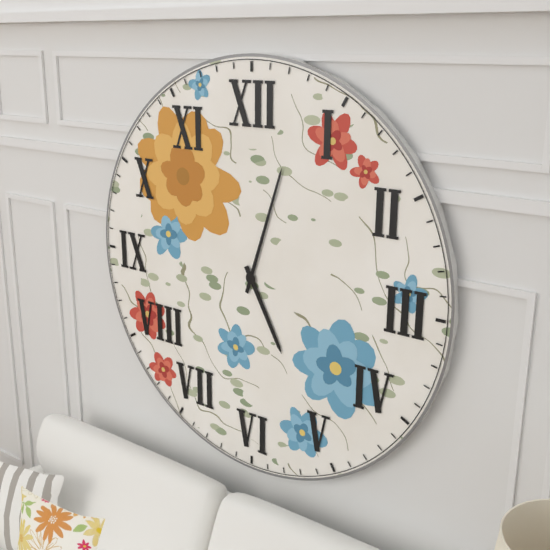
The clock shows 5:03
